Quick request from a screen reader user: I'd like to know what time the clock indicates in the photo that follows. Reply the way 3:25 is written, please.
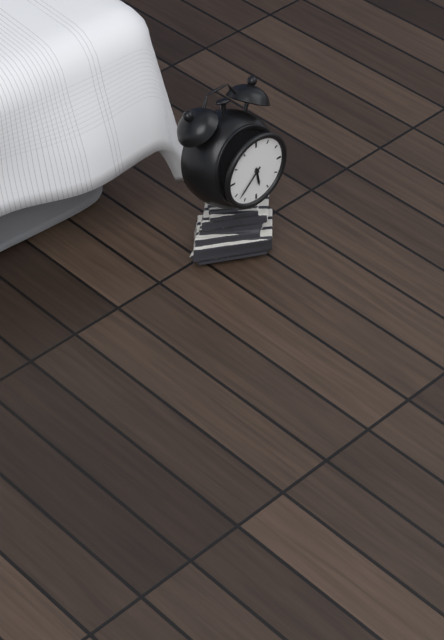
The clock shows 5:38
